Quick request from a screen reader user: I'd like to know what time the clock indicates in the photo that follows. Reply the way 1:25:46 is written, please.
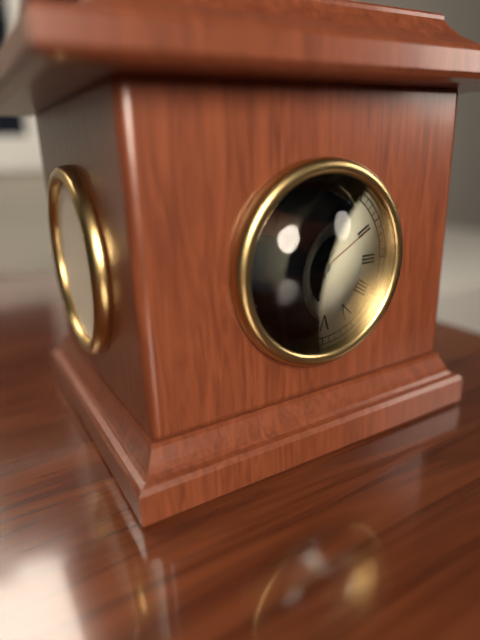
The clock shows 7:01:10
